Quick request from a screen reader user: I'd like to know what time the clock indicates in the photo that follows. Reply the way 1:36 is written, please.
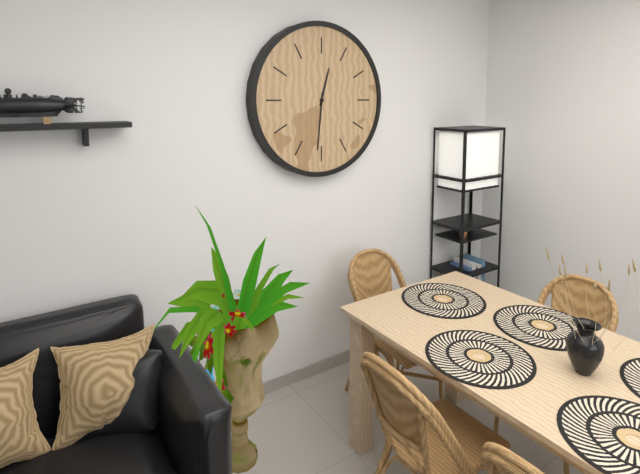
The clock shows 12:31
